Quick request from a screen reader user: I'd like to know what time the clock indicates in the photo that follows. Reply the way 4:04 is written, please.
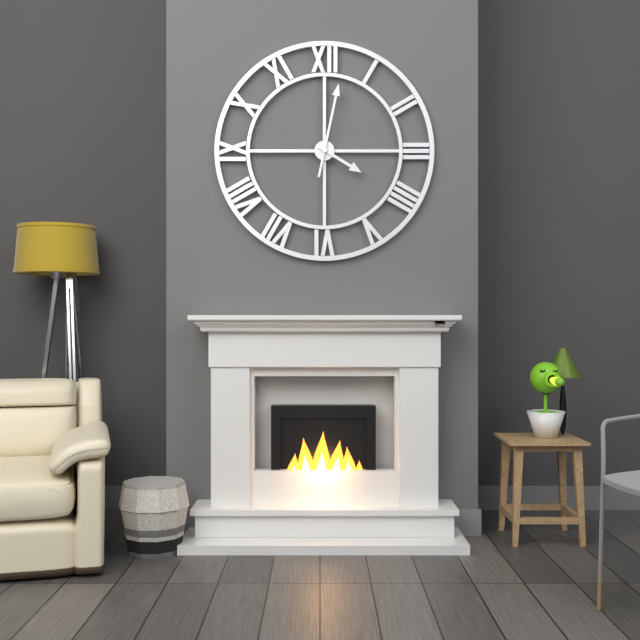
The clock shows 4:02
